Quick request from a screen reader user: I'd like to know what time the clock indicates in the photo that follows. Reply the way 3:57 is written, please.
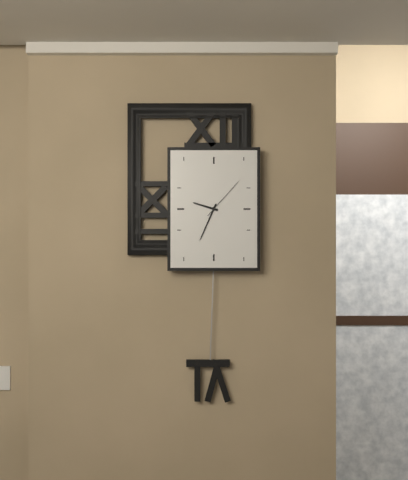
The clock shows 9:34
